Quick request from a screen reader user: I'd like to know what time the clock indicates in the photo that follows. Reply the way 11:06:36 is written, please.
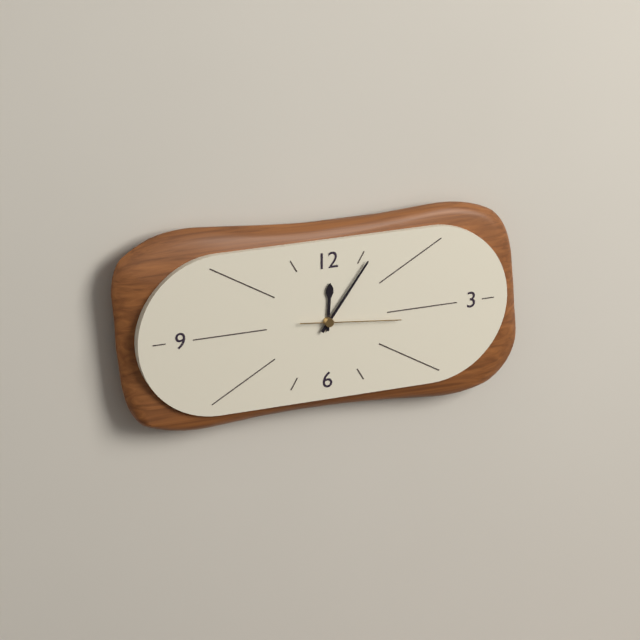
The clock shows 12:06:16
